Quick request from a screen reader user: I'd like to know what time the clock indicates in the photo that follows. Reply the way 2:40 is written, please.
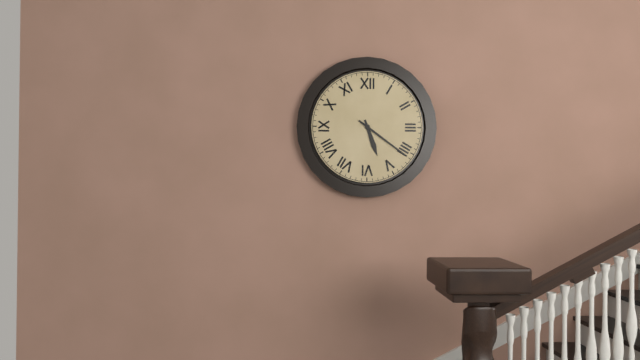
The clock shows 5:21
